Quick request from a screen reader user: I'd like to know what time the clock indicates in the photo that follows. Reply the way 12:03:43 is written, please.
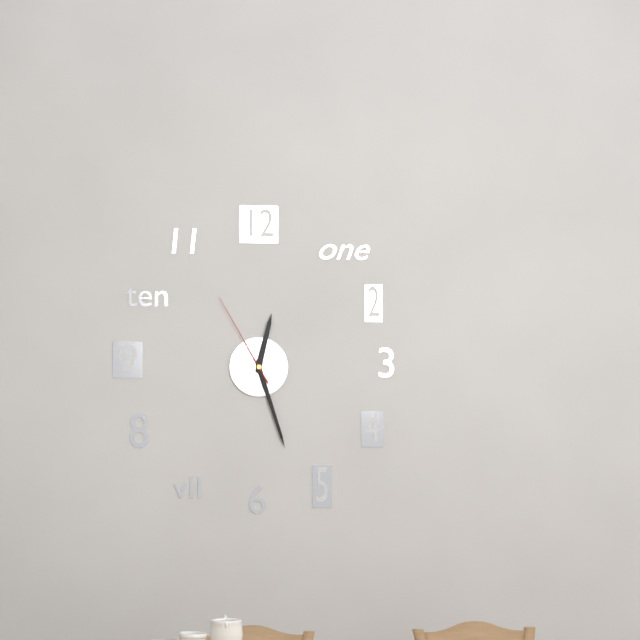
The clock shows 12:27:55
